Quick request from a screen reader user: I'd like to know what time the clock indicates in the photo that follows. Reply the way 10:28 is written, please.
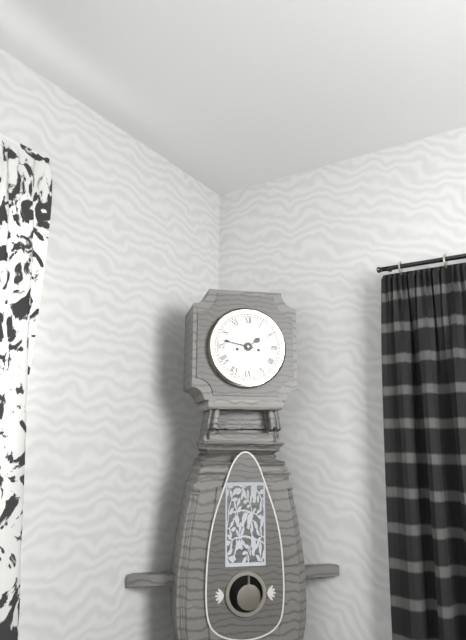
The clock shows 1:47
